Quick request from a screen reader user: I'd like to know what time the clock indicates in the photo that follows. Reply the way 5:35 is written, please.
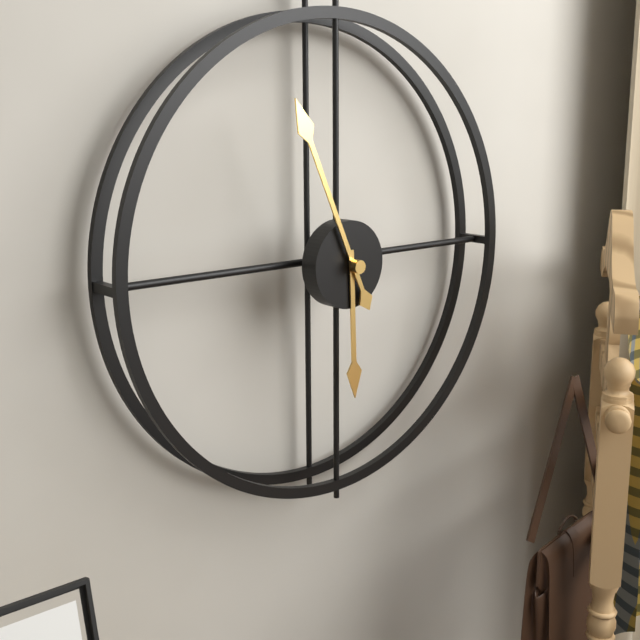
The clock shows 5:56
